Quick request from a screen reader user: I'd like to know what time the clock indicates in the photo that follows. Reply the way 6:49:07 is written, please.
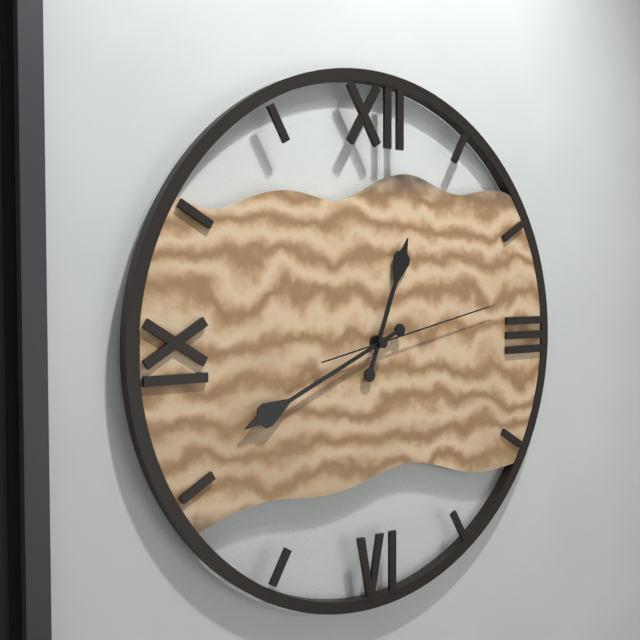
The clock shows 12:41:13
